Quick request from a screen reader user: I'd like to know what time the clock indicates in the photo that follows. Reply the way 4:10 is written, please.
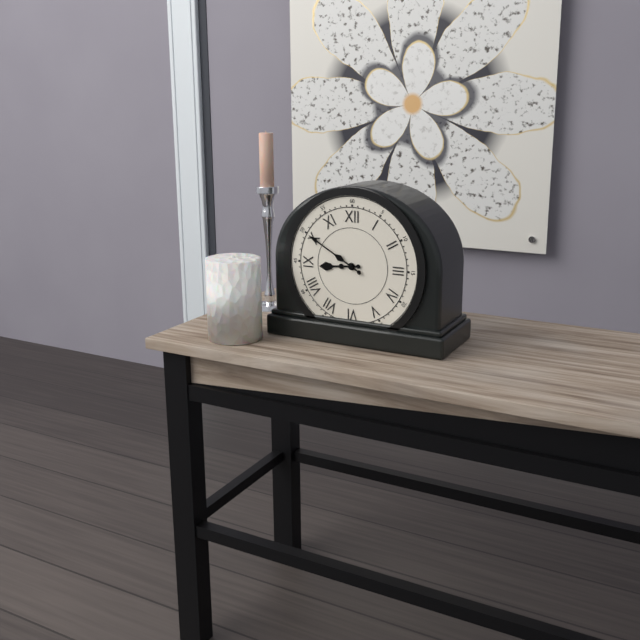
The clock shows 8:50
